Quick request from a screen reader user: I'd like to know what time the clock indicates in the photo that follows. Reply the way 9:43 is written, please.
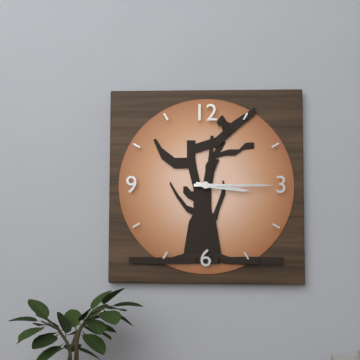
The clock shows 3:15
